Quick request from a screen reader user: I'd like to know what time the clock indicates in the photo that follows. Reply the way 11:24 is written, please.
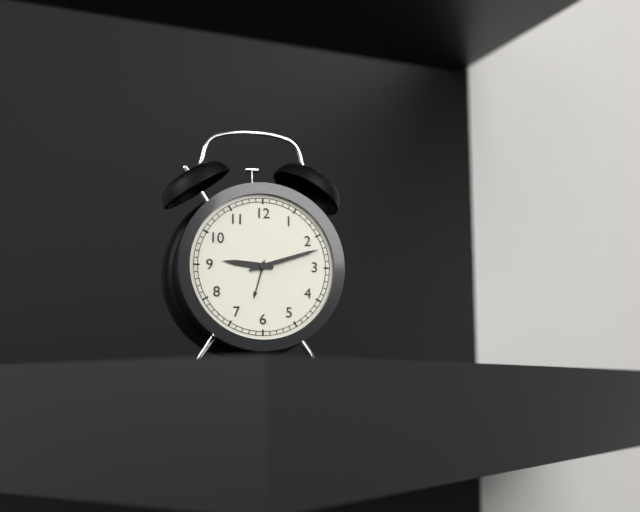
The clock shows 9:12
